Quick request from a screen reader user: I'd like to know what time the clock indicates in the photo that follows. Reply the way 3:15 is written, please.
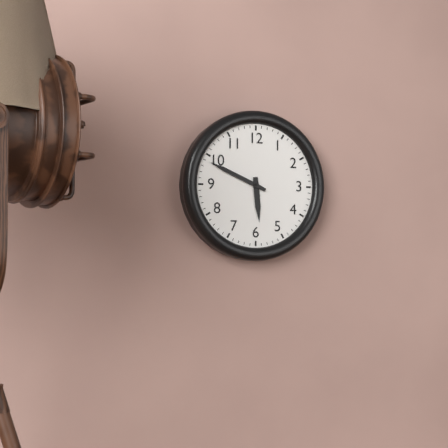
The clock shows 5:49
